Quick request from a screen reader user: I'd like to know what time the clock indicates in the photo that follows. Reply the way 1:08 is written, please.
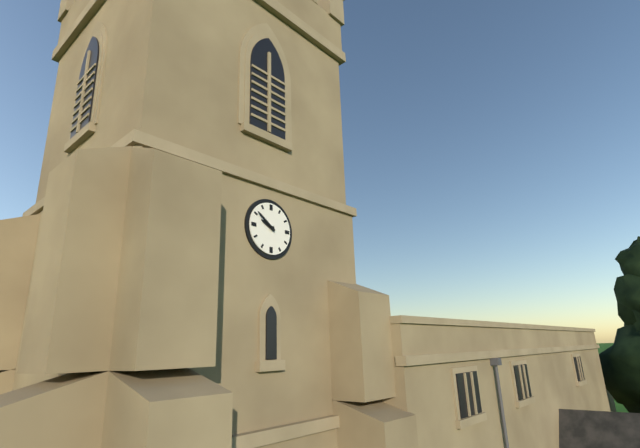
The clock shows 9:51
